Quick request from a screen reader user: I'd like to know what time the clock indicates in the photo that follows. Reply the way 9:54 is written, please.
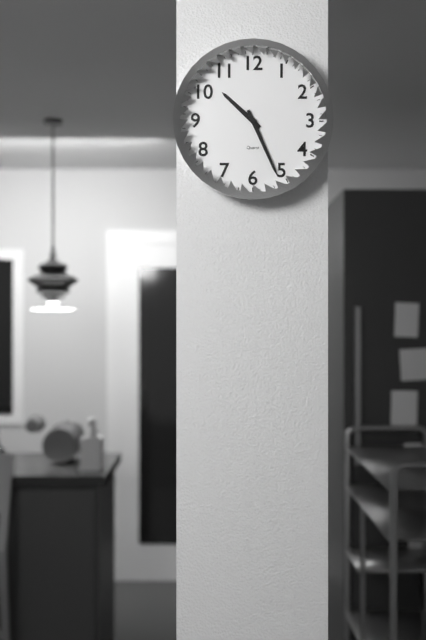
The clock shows 10:26
